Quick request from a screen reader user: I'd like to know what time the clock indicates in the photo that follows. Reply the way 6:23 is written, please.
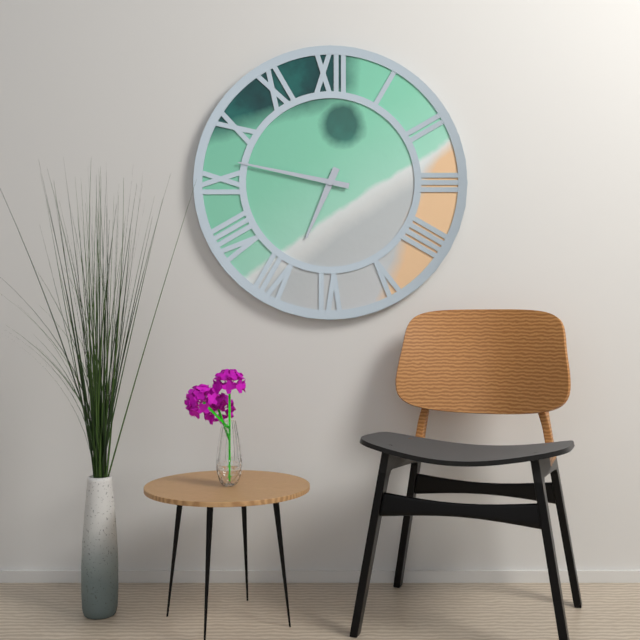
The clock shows 6:47
